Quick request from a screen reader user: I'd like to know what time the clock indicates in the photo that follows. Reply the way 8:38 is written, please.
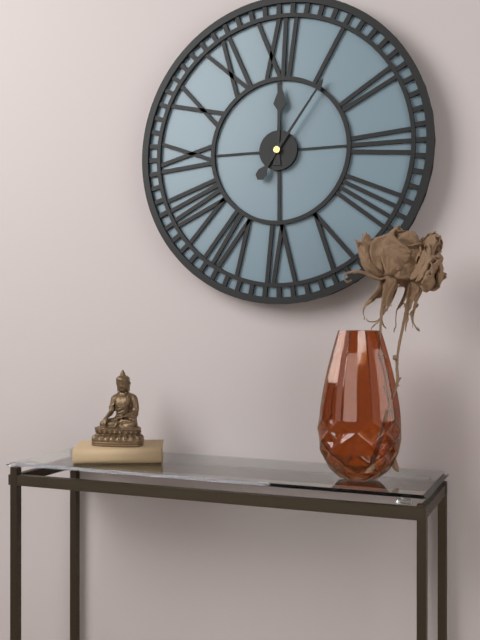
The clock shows 12:06
